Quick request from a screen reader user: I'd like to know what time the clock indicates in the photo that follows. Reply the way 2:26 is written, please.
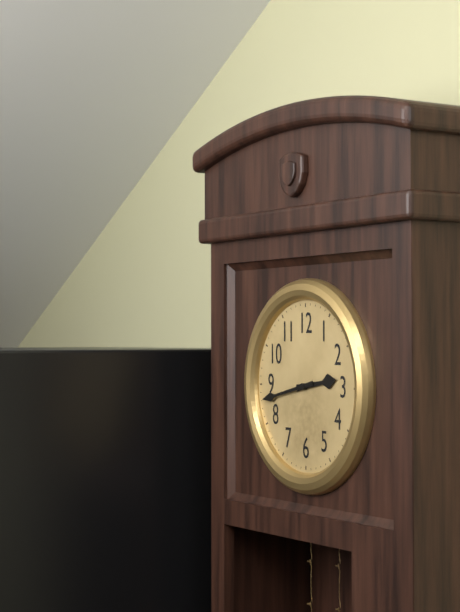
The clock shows 2:43
